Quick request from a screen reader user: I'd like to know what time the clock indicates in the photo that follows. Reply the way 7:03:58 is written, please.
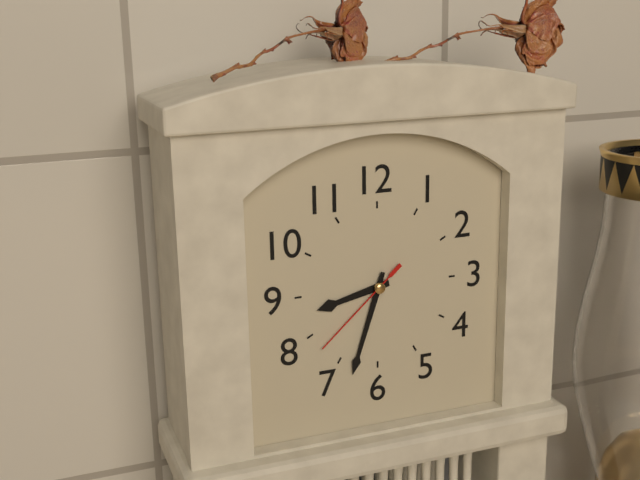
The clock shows 8:33:38
